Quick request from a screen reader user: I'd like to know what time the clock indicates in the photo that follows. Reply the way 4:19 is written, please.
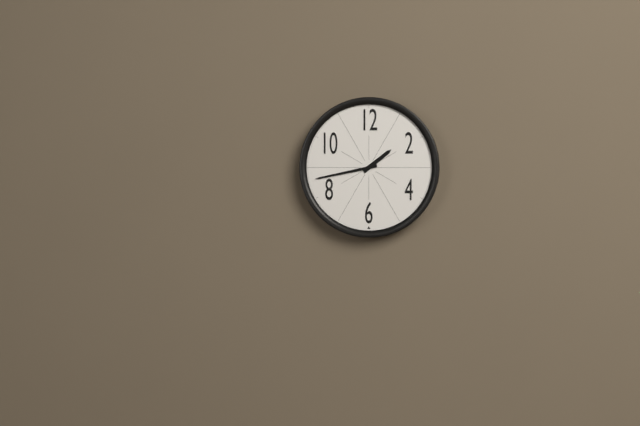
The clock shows 1:43
